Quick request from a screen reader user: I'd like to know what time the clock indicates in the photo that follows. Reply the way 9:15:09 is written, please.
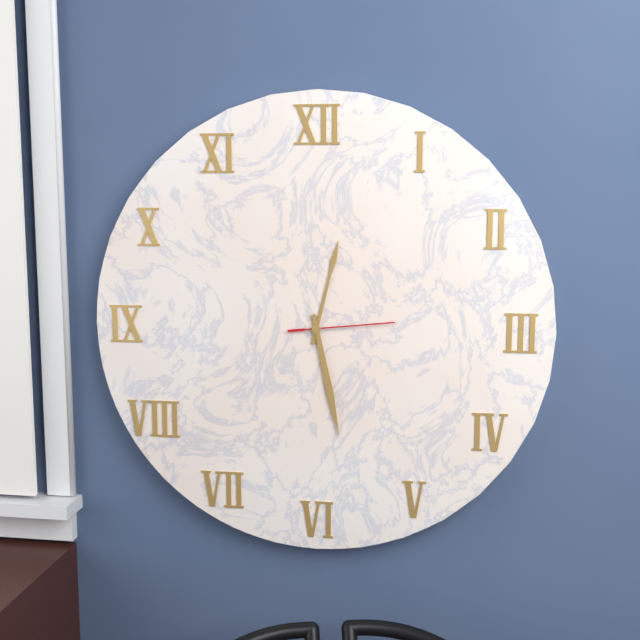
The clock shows 12:28:14
